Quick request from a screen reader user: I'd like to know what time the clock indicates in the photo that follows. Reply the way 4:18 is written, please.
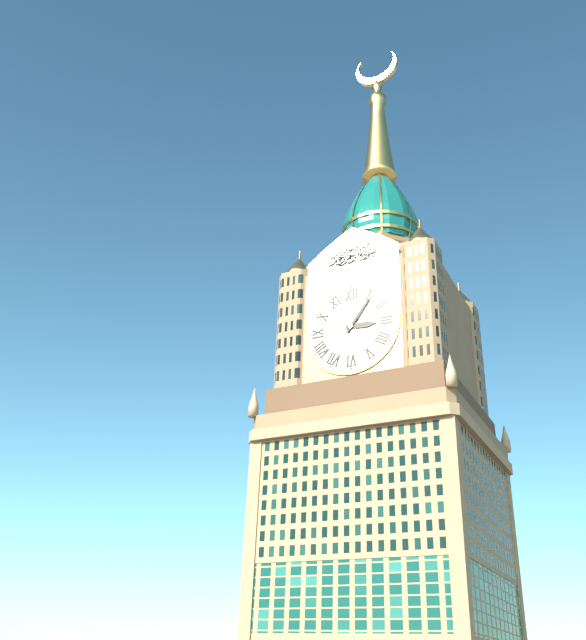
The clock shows 3:06
